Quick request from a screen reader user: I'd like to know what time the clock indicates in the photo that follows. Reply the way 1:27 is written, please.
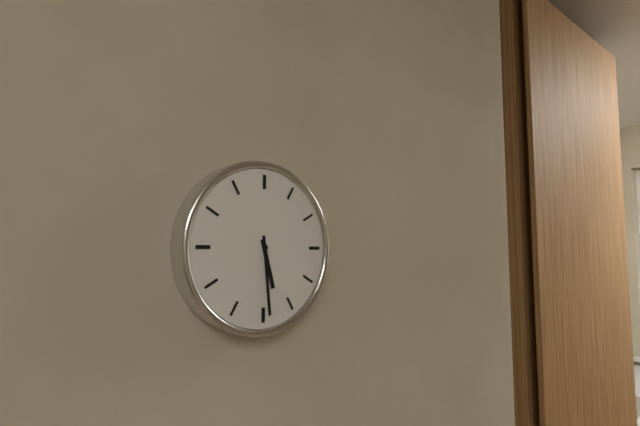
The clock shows 5:29
